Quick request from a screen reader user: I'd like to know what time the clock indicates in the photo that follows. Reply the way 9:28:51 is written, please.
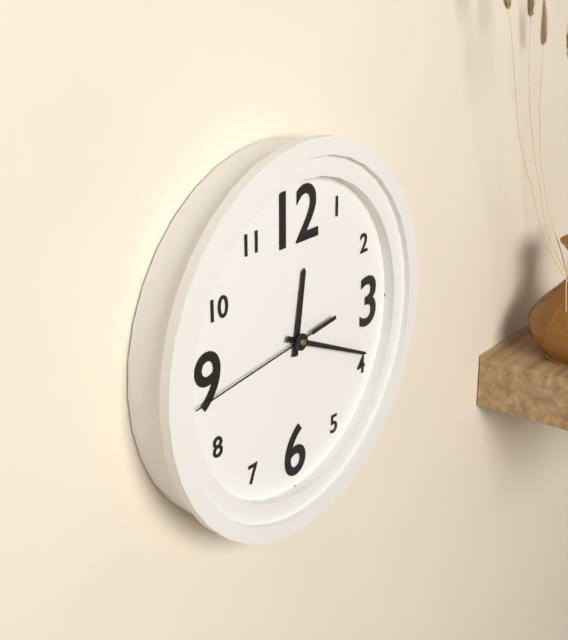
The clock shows 12:19:44
